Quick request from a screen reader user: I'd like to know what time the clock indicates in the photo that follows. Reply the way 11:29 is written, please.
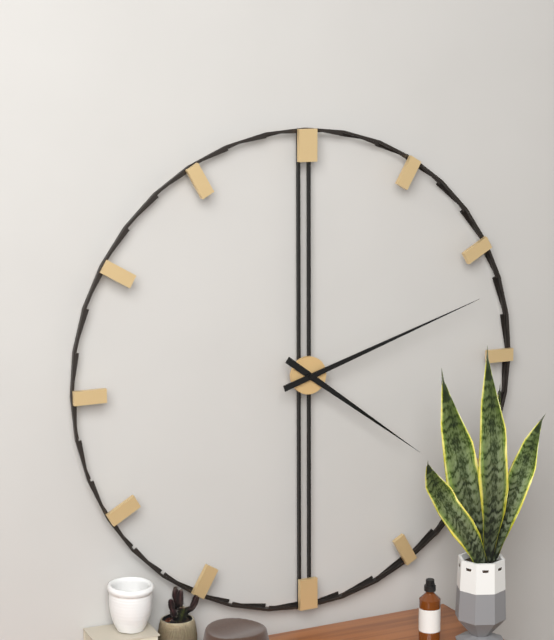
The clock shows 4:12
